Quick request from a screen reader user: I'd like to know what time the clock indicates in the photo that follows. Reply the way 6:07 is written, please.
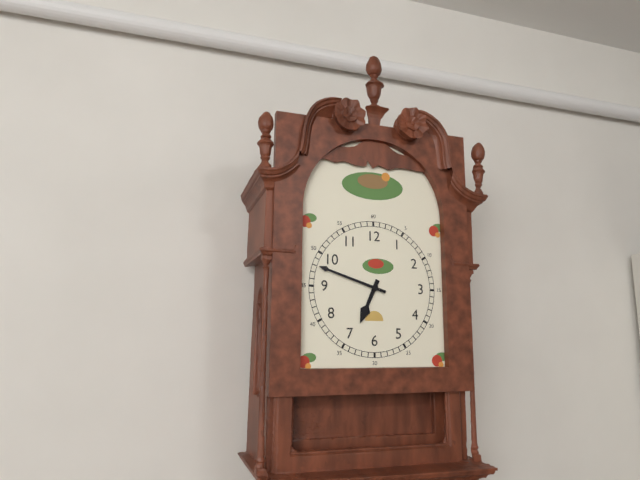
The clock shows 6:48
